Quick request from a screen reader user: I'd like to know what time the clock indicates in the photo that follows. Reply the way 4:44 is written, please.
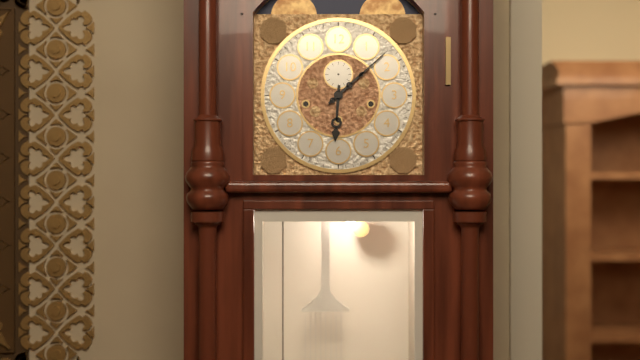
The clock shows 6:08
